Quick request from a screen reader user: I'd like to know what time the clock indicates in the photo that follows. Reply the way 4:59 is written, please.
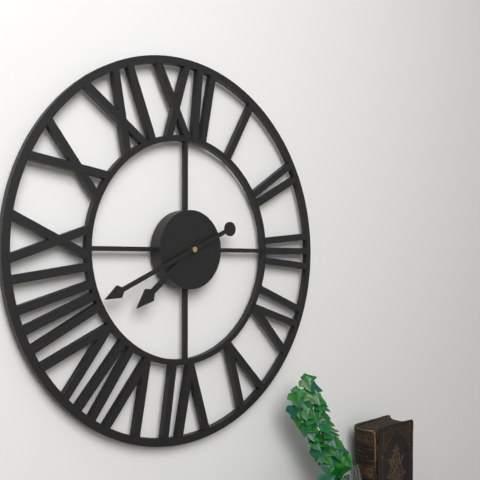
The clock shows 7:41
